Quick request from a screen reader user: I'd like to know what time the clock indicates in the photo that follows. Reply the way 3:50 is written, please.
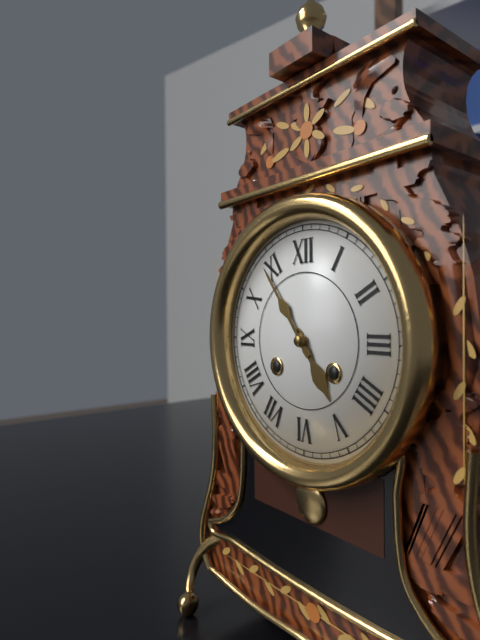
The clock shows 4:54
